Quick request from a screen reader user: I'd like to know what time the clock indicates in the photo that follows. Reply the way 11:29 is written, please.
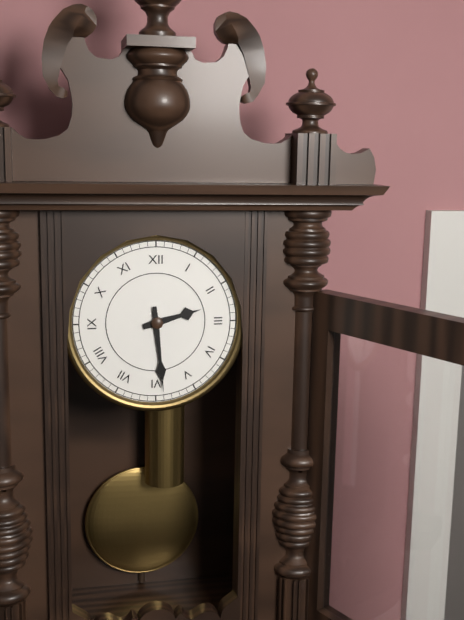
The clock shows 2:29
